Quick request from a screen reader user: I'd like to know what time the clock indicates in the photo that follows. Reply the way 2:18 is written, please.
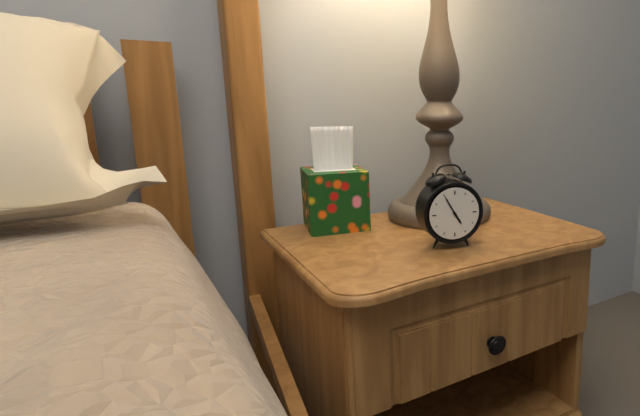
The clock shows 4:55
